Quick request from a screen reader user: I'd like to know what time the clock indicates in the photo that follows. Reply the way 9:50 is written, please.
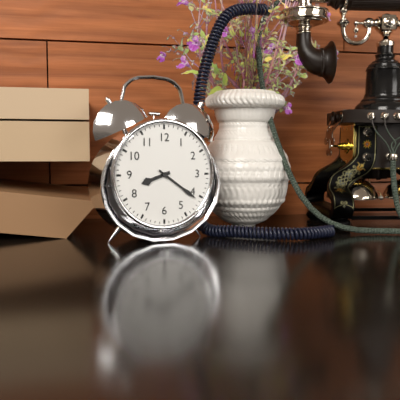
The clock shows 8:21
